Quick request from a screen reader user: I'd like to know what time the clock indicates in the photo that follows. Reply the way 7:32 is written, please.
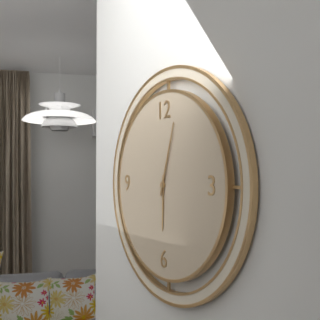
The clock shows 6:03
